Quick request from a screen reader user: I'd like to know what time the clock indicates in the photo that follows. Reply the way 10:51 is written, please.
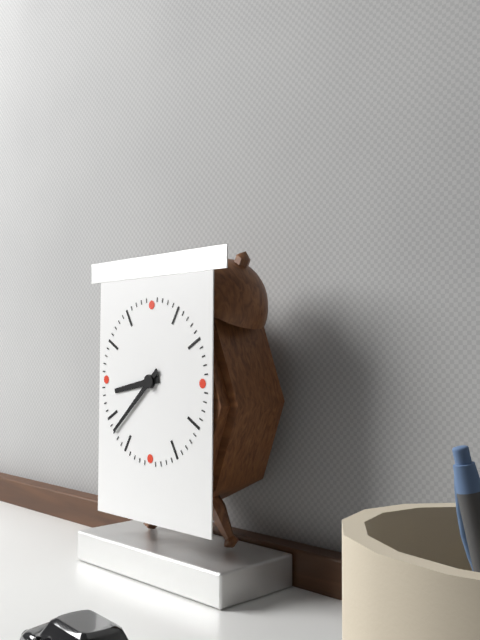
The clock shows 8:38
